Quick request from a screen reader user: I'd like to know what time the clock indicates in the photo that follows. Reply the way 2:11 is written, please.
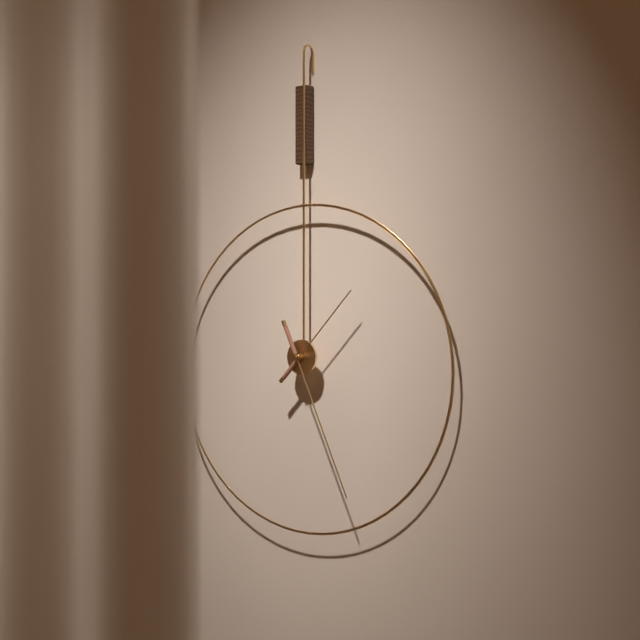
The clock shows 1:26
